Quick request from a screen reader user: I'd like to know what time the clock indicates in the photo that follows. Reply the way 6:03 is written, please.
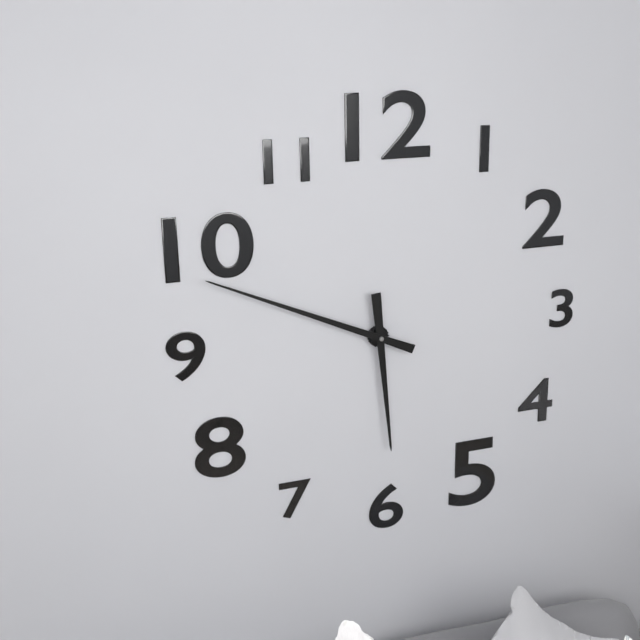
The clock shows 5:49
